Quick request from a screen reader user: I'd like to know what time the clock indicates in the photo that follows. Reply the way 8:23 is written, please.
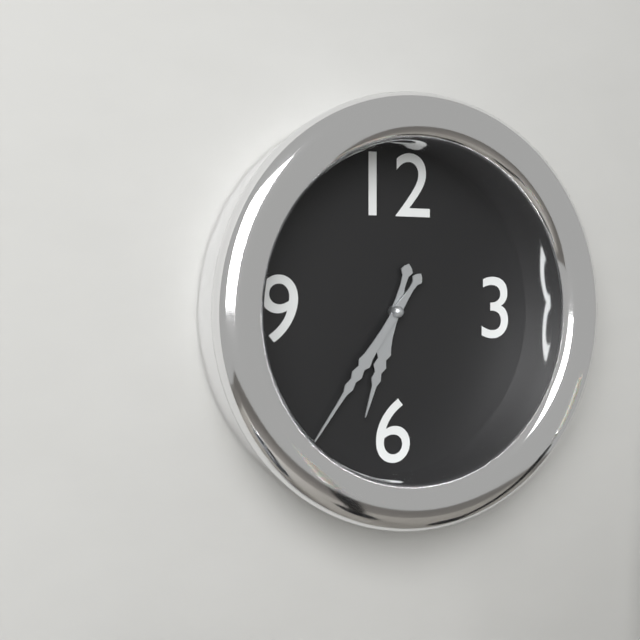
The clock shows 6:36
